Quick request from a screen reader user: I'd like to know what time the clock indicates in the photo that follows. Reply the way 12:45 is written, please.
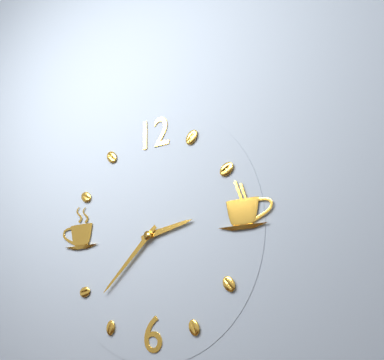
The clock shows 2:38
